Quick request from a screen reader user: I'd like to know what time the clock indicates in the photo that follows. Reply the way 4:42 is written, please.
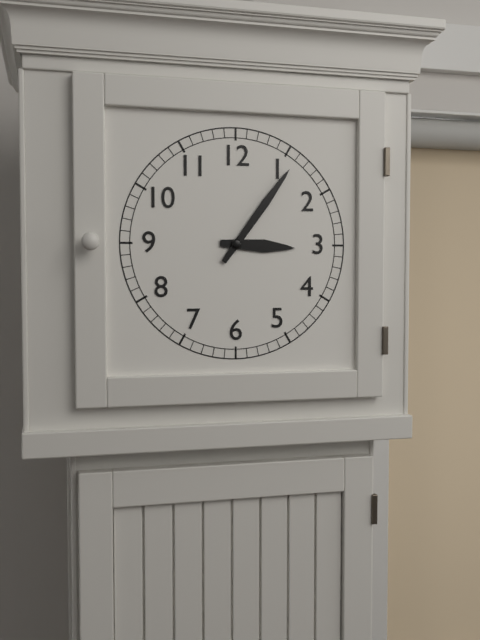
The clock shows 3:06
